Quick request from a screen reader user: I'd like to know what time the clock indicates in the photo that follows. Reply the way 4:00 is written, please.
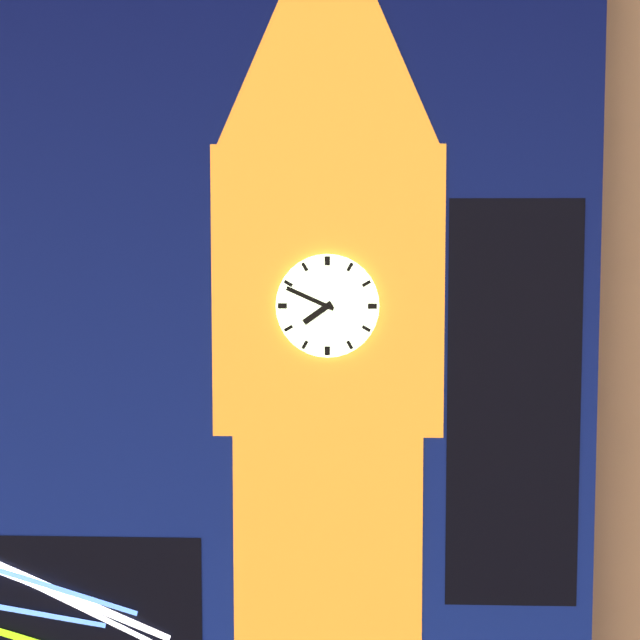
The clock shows 7:49
